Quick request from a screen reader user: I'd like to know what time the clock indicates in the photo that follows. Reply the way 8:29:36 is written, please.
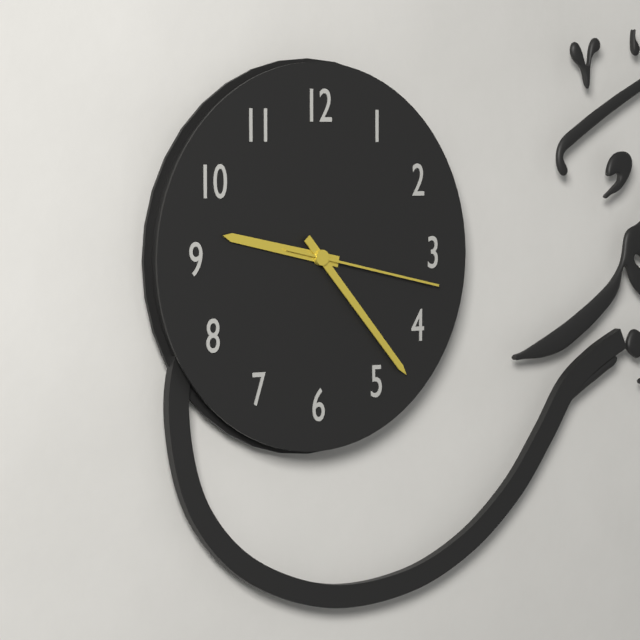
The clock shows 9:23:17
